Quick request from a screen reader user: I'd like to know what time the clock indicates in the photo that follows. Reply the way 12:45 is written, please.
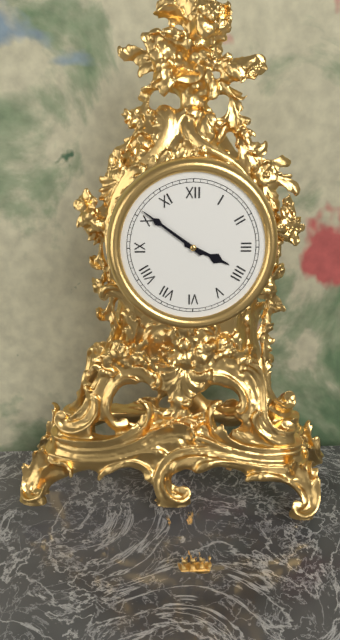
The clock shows 3:51
